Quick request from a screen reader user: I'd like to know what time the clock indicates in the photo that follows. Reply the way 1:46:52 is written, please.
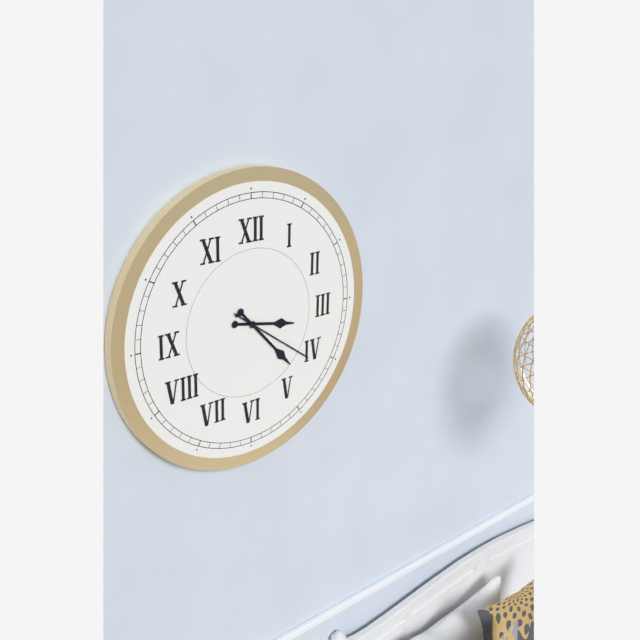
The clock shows 3:23:21
